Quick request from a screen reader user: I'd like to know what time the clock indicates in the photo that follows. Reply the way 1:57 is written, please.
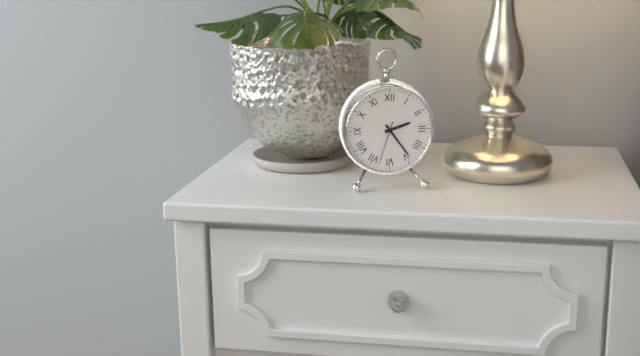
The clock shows 2:24
